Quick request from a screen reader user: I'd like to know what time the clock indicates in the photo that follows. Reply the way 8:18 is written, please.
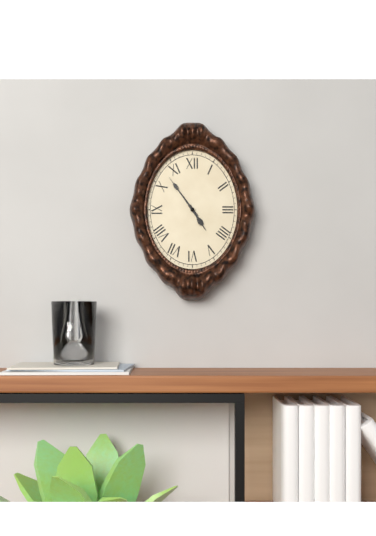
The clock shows 4:54
